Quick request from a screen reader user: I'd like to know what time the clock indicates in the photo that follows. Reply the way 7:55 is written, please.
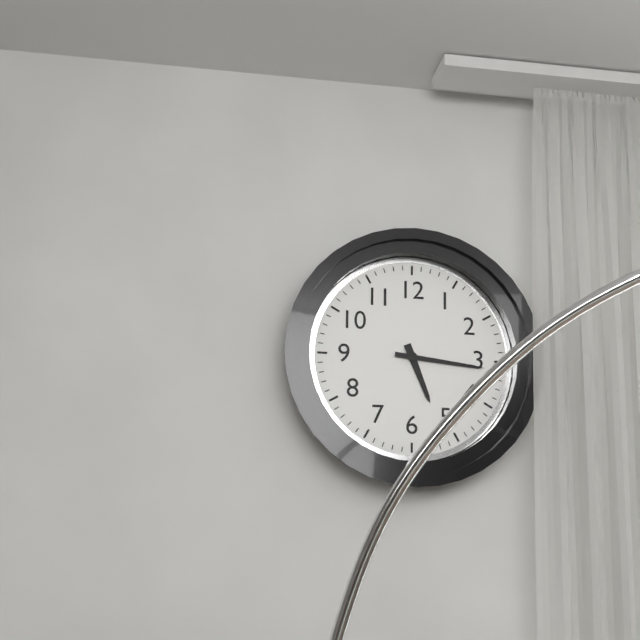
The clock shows 5:16
